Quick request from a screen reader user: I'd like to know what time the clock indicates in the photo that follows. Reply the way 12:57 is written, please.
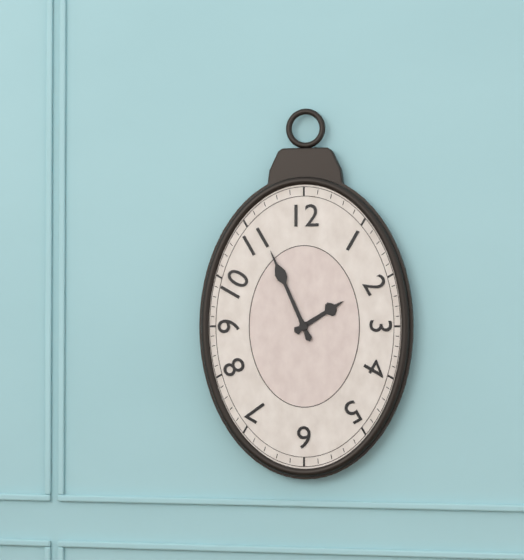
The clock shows 1:56
